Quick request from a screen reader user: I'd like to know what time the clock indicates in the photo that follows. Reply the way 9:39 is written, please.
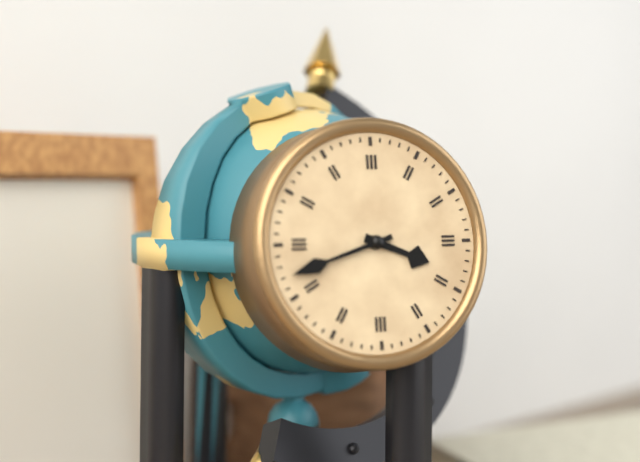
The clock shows 3:42
